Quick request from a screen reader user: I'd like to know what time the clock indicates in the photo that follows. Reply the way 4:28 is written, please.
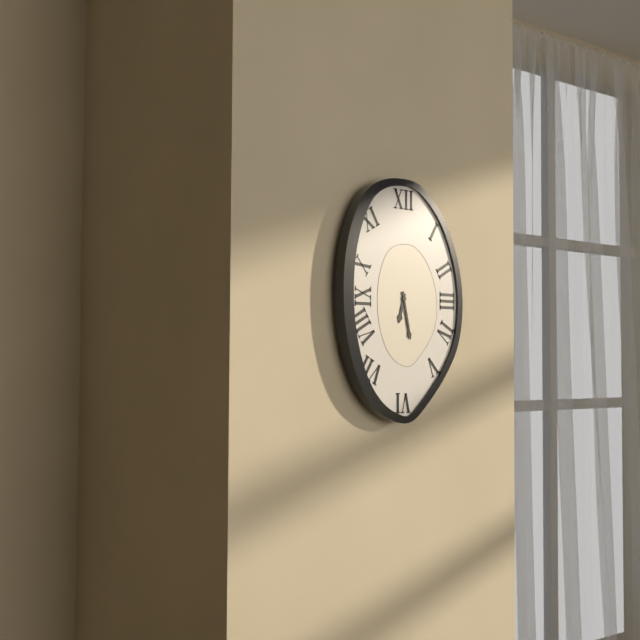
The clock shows 6:28
